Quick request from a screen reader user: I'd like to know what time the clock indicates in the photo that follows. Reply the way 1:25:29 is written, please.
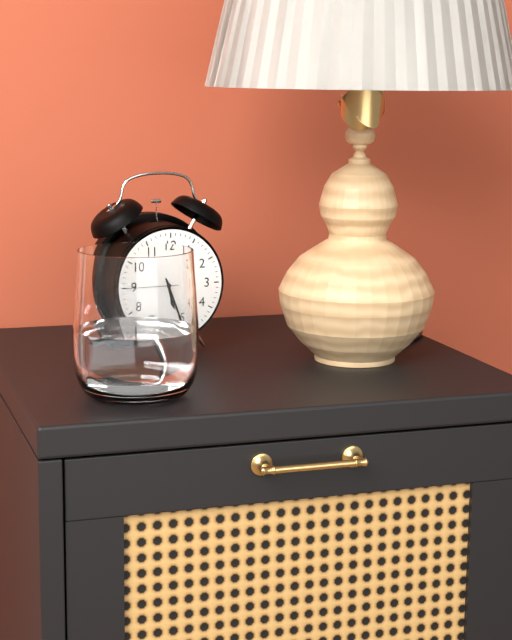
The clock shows 5:26:45
